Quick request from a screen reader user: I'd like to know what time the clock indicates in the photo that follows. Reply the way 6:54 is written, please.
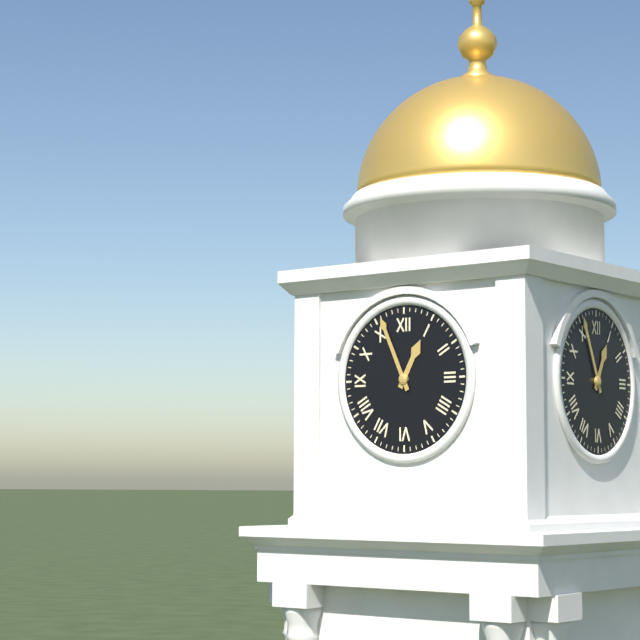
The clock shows 12:56
